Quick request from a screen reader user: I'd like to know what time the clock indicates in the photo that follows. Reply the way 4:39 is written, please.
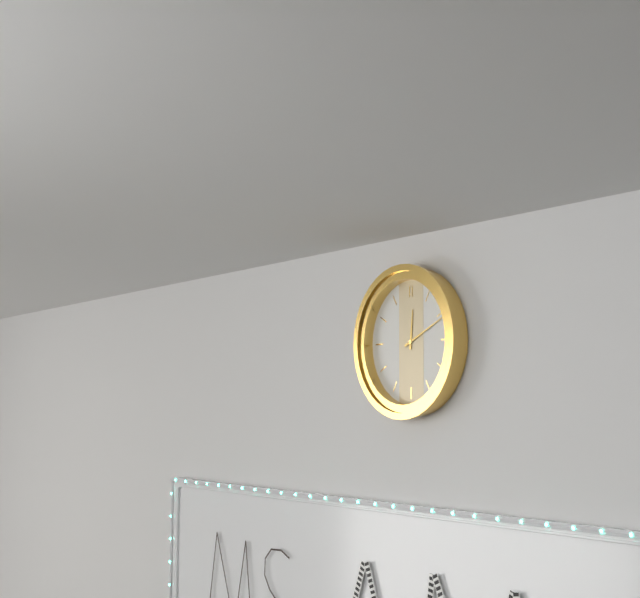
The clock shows 12:11
